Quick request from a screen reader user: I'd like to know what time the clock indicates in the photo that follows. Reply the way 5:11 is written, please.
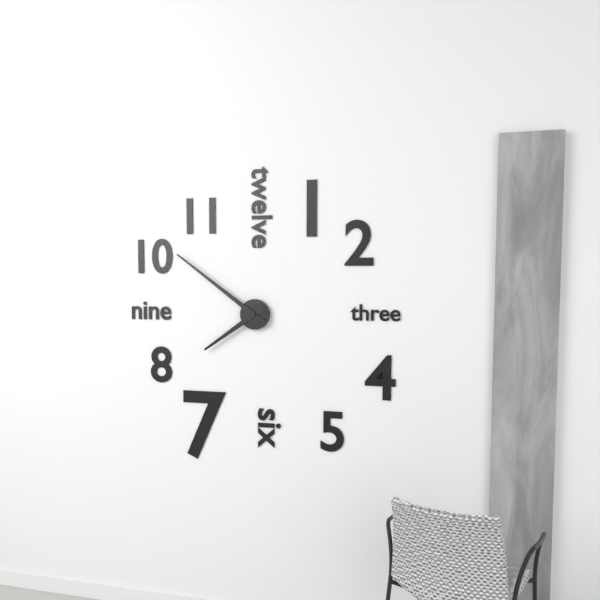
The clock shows 7:51
